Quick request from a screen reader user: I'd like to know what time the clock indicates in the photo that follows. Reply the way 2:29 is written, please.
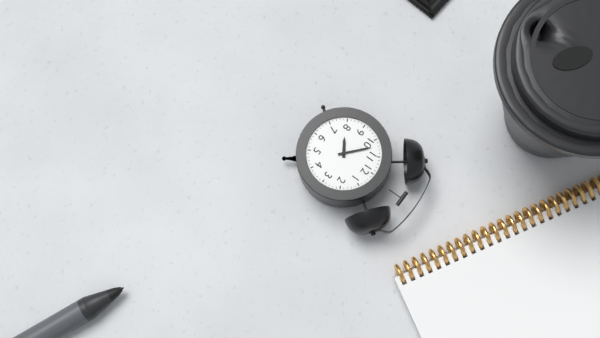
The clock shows 7:52
